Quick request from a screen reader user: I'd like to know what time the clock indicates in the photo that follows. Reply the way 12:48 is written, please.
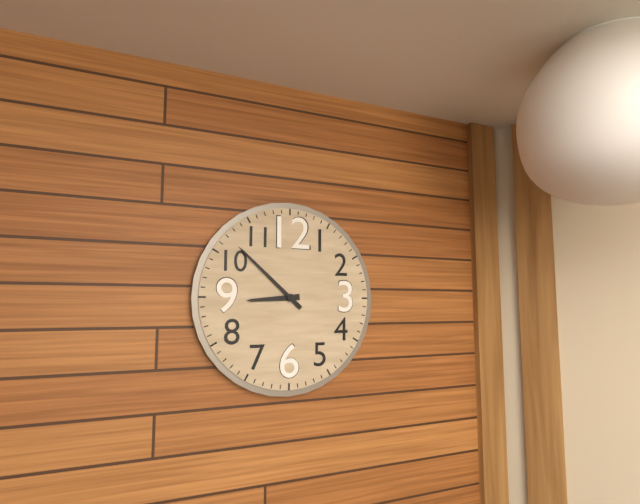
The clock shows 8:52
